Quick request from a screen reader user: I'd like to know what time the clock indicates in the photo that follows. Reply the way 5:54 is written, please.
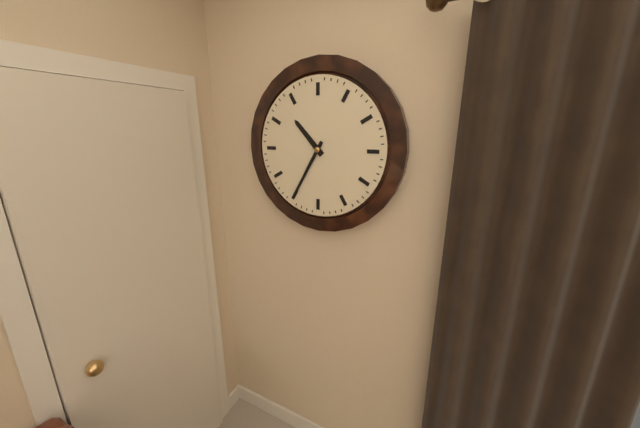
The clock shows 10:35
